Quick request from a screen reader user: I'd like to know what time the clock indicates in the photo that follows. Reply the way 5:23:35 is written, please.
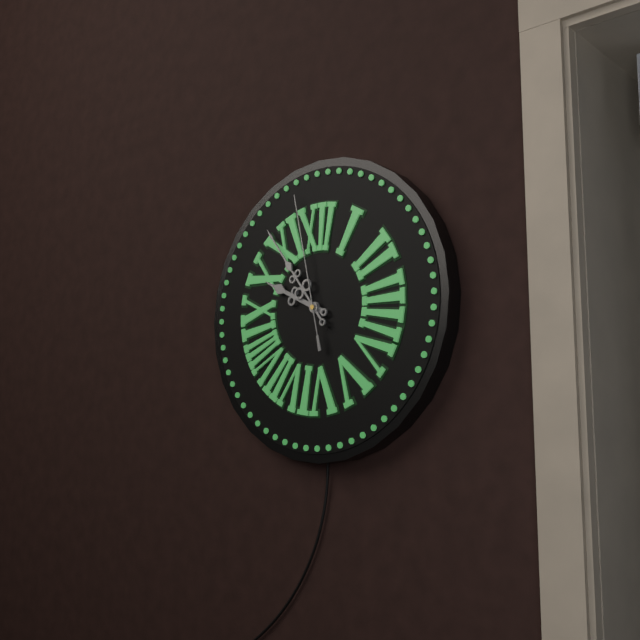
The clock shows 9:54:58
